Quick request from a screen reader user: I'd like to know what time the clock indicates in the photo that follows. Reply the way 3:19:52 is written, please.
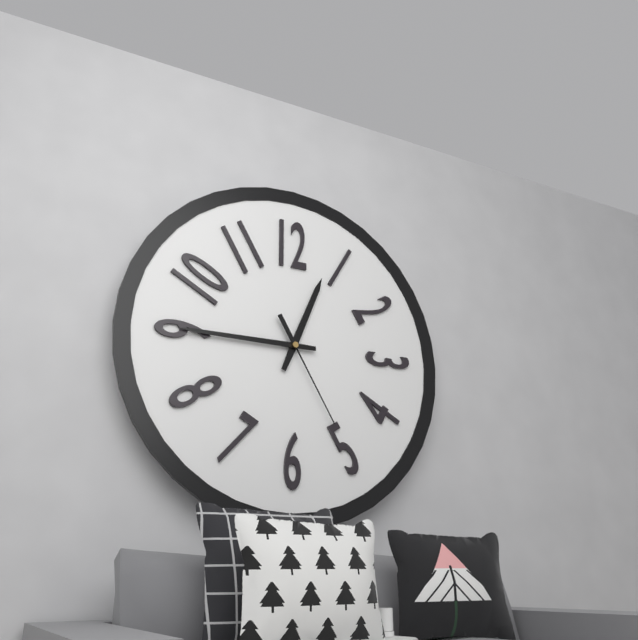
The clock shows 12:45:25
